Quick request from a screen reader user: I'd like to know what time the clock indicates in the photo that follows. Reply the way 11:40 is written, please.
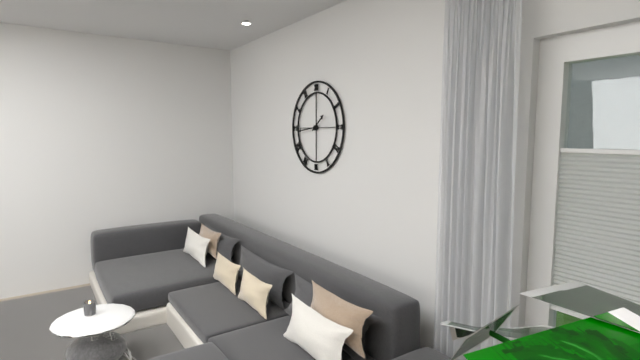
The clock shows 1:44
